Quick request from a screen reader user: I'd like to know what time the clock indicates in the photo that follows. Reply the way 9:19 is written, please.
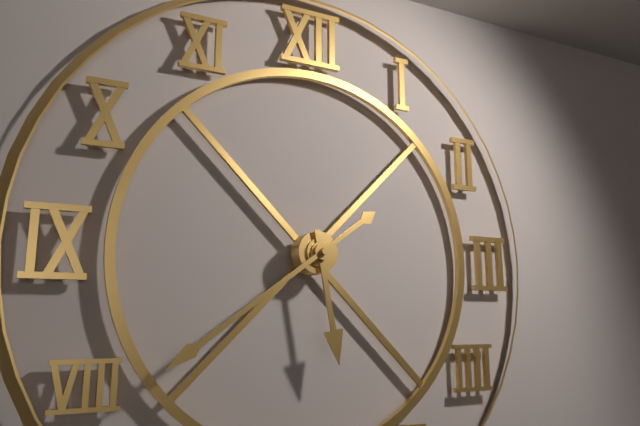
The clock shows 5:39
